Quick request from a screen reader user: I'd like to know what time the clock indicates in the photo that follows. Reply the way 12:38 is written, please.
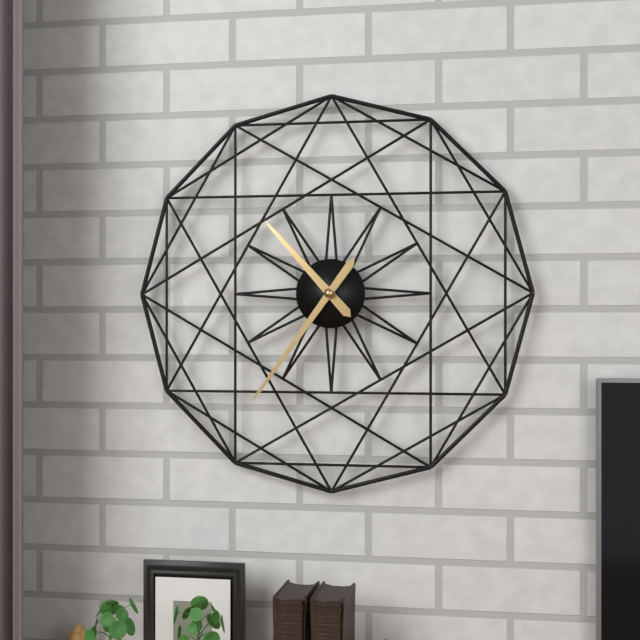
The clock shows 10:36
